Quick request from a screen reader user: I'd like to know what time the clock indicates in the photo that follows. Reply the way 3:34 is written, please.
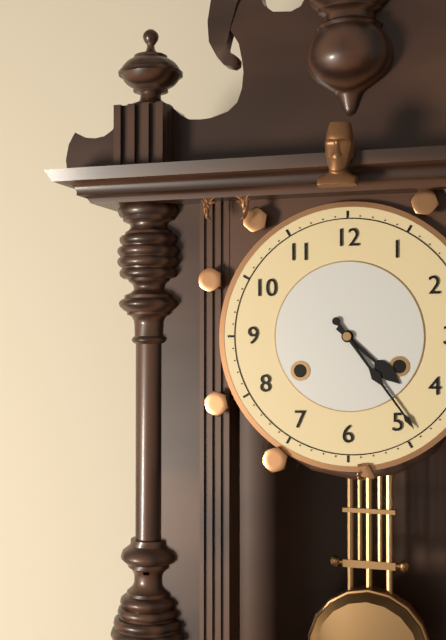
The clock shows 4:24
